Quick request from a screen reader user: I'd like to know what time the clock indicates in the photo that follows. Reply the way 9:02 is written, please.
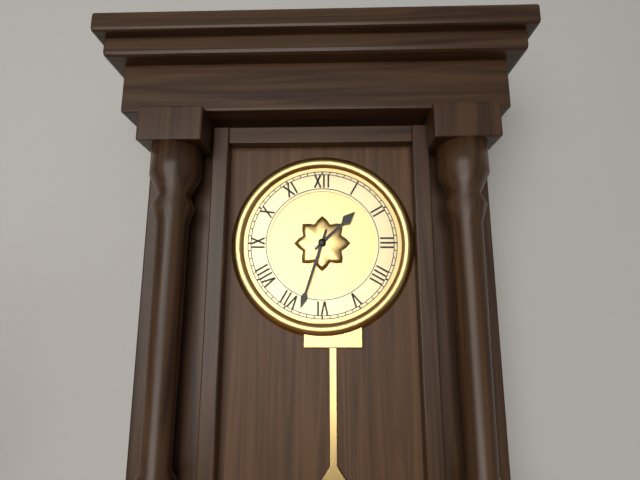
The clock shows 1:33
